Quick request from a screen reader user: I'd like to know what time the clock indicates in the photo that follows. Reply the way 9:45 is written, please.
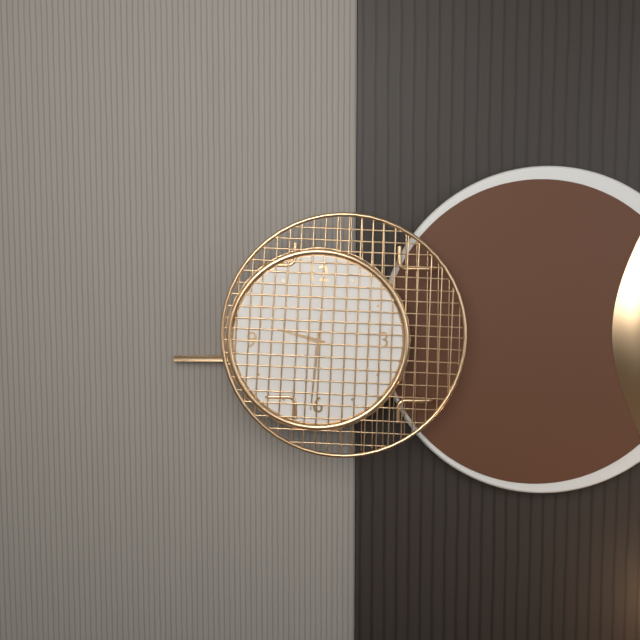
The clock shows 9:31
